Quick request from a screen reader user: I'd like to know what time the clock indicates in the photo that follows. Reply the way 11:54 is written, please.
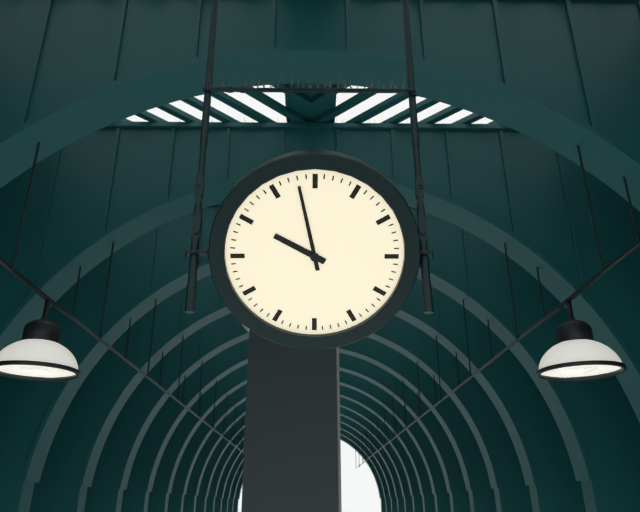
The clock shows 9:58
